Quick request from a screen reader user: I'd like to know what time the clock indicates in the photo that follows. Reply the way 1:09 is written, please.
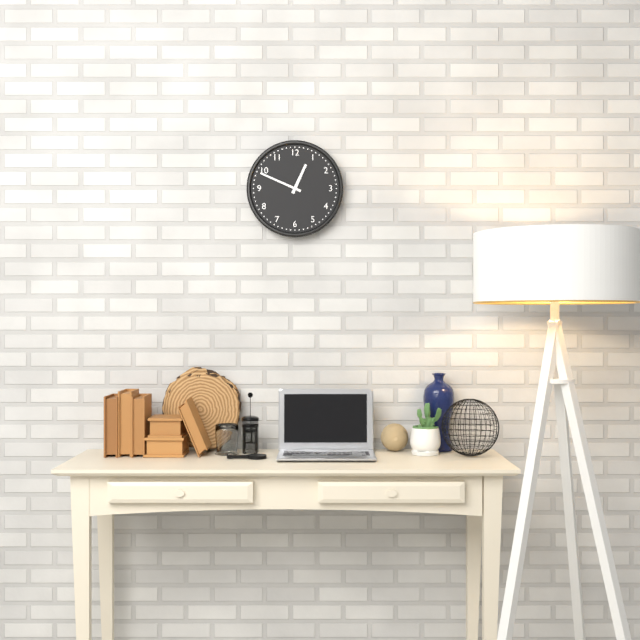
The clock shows 12:49
